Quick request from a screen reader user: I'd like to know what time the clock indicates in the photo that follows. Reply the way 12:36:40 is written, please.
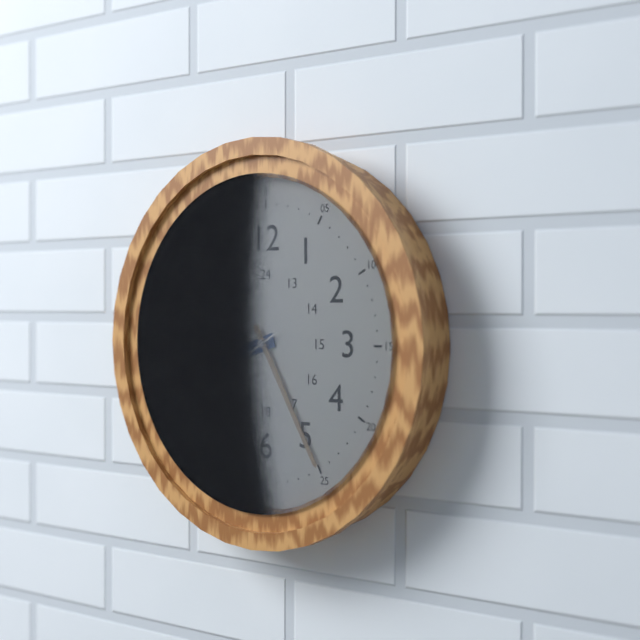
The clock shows 8:25:40
